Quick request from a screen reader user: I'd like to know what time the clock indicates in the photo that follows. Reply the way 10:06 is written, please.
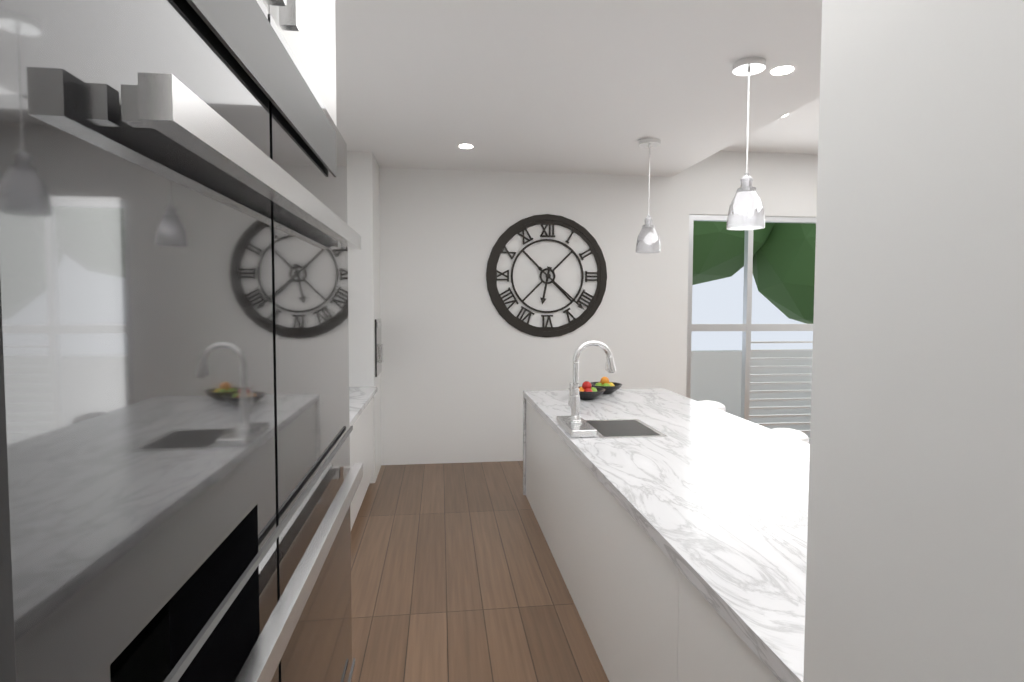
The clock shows 6:22
